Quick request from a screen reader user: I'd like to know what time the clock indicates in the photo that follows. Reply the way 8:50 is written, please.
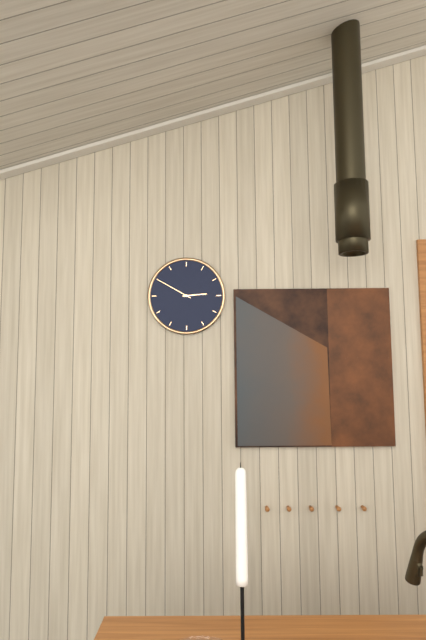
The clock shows 2:50
